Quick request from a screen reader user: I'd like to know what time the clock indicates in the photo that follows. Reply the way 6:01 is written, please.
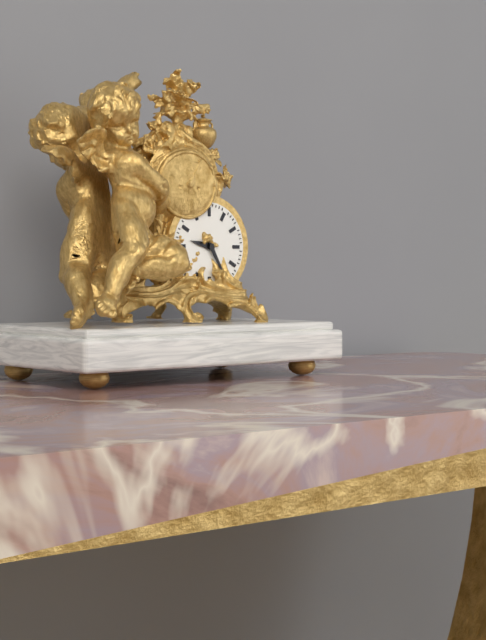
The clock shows 9:25
